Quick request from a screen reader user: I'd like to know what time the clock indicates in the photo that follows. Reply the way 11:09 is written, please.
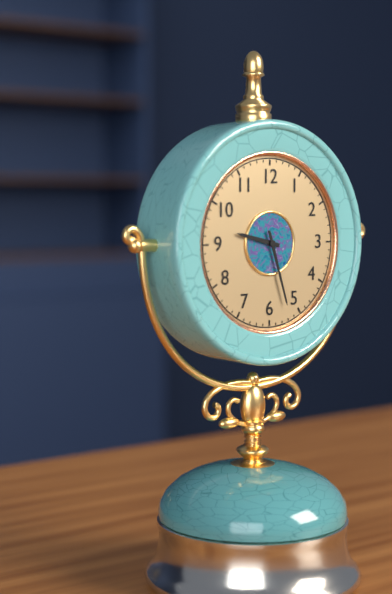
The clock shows 9:27
